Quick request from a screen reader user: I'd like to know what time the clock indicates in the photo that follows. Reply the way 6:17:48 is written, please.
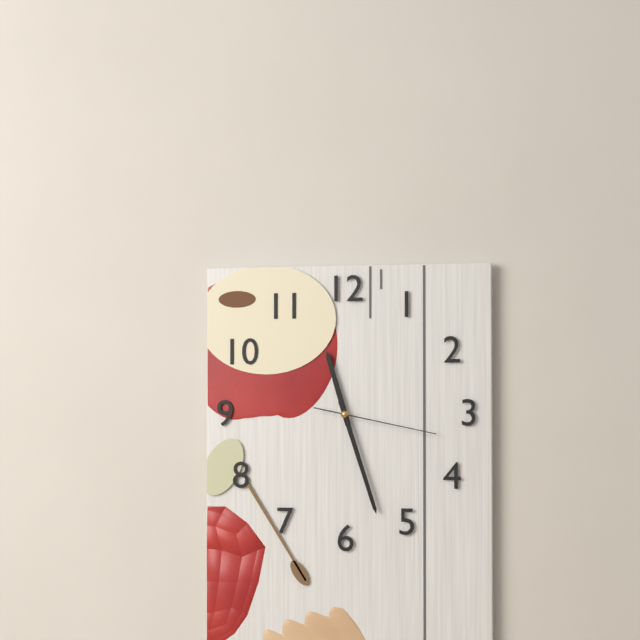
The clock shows 11:27:17
